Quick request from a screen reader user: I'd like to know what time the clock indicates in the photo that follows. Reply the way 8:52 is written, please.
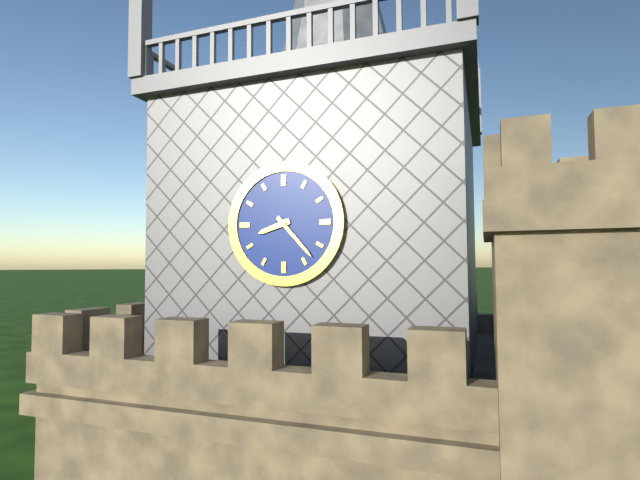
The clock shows 8:23
